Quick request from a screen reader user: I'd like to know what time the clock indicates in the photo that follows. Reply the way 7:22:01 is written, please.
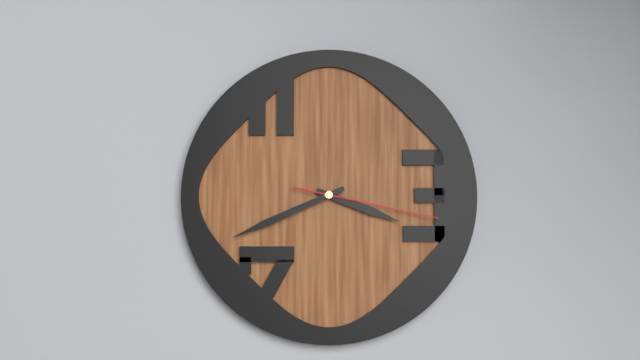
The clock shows 3:41:17
